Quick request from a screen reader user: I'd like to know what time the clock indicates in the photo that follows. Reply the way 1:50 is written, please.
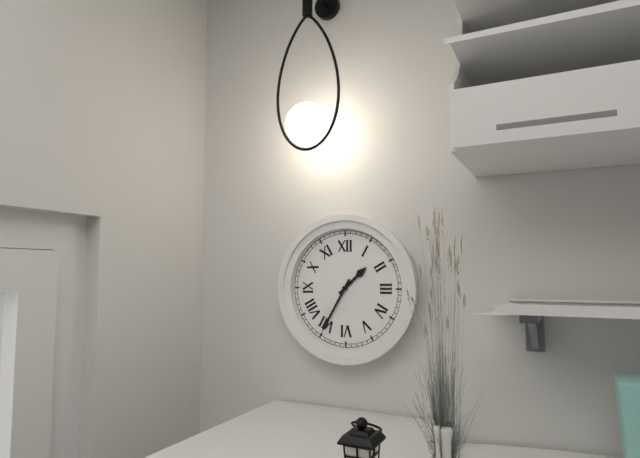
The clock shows 1:35
